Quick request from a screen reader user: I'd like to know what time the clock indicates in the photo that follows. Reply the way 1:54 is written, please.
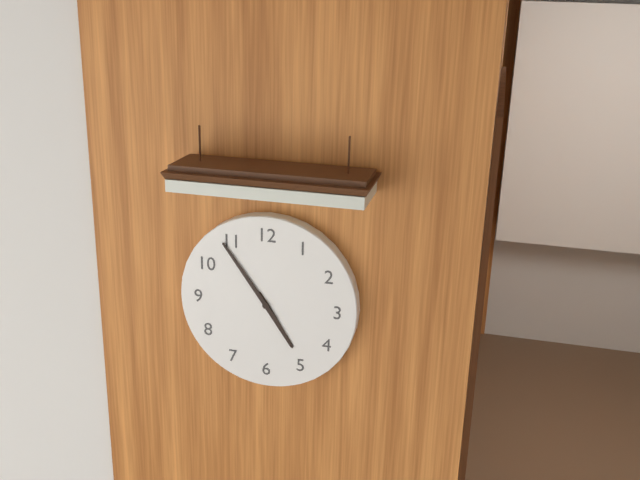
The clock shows 4:54
